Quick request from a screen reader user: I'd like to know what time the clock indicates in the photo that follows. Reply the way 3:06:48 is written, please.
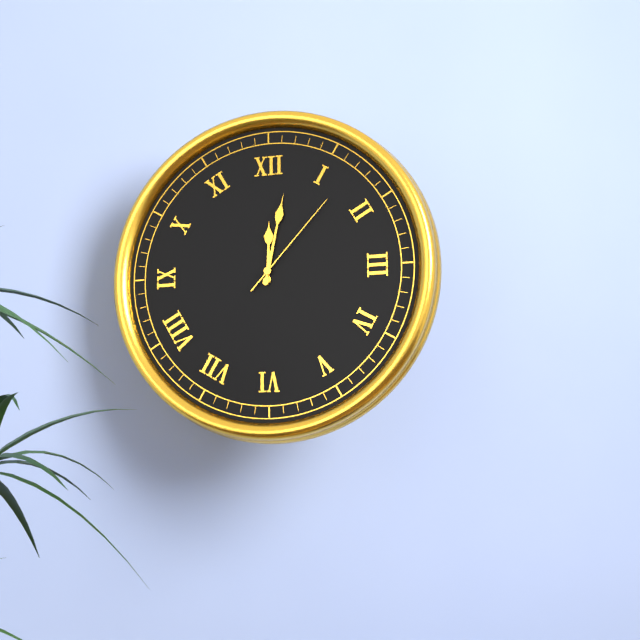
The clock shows 12:02:07
